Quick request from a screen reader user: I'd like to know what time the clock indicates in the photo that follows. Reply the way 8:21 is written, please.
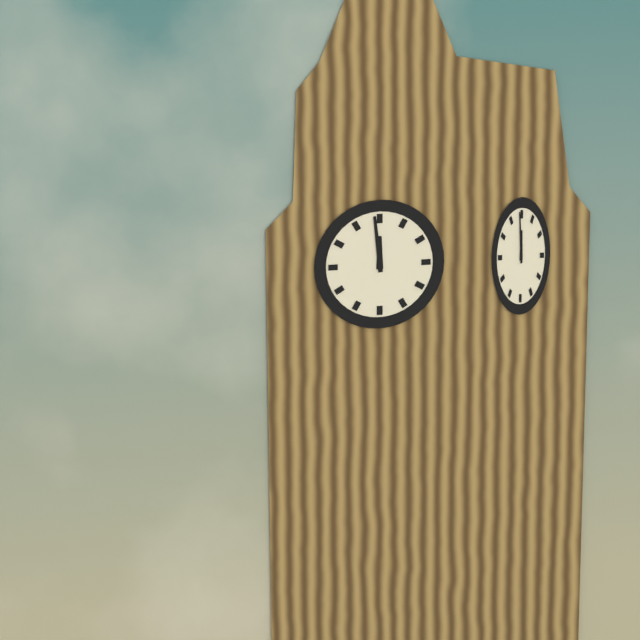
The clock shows 11:59
